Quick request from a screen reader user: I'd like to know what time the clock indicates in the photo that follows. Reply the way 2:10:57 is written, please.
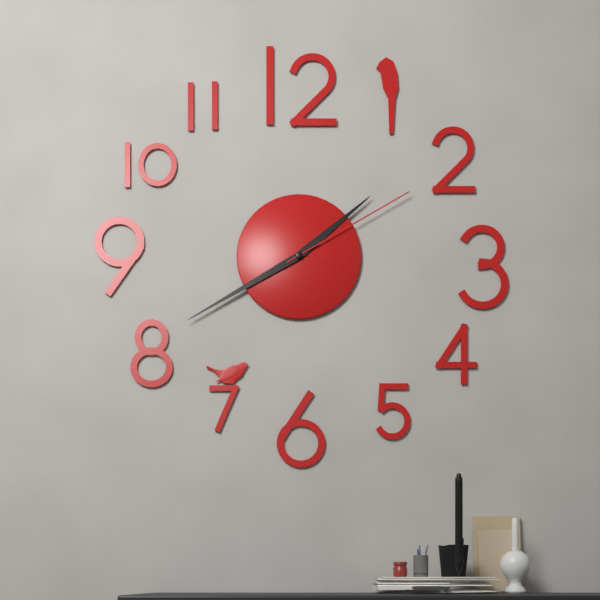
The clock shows 1:40:10
